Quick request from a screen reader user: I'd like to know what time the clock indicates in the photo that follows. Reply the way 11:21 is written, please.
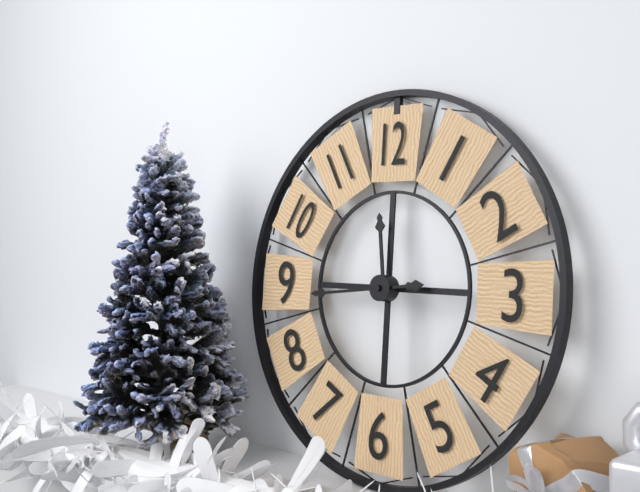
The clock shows 11:44
